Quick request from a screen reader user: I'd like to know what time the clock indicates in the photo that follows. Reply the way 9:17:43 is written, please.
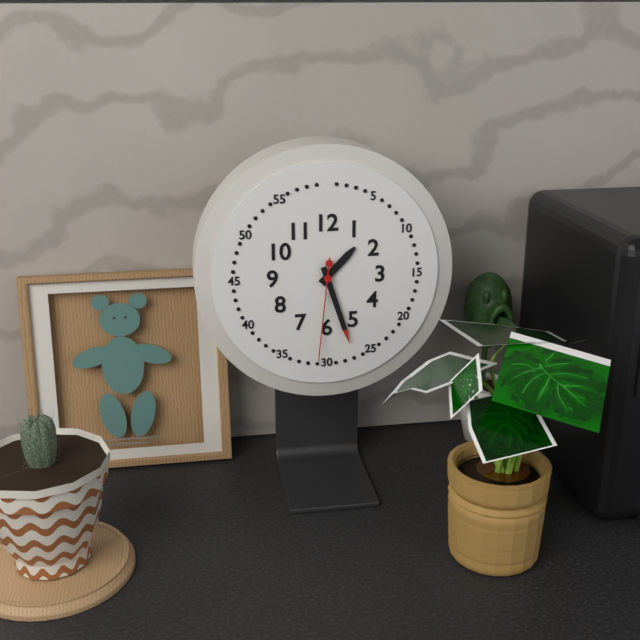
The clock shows 1:27:31
